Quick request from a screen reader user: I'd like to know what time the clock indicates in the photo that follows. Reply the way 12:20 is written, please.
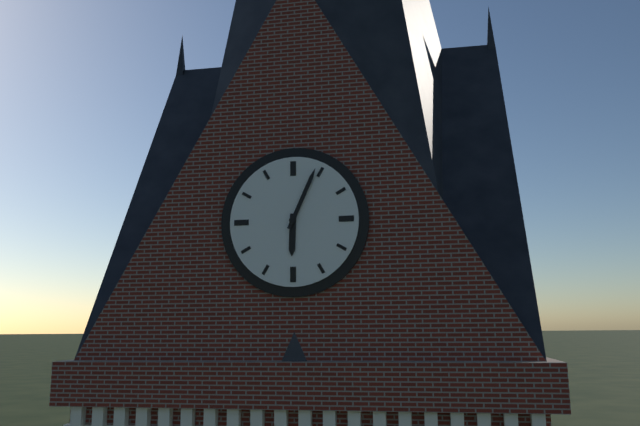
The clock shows 6:04
